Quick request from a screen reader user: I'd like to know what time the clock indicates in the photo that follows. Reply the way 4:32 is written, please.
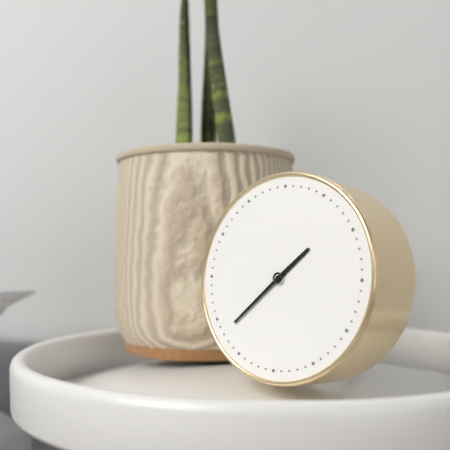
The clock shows 1:38
